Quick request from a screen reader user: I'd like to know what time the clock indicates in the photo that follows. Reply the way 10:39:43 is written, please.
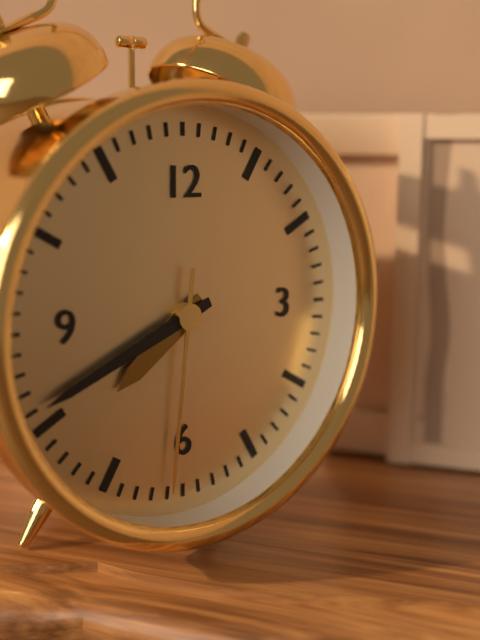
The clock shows 7:41:31
